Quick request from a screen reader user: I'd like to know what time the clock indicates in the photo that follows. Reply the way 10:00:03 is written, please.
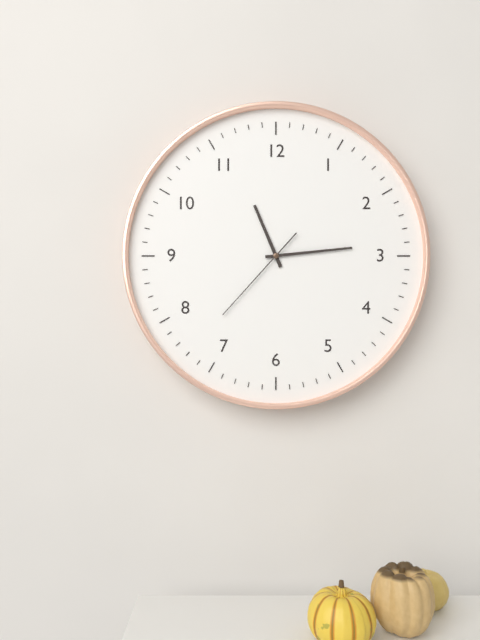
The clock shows 11:14:37
